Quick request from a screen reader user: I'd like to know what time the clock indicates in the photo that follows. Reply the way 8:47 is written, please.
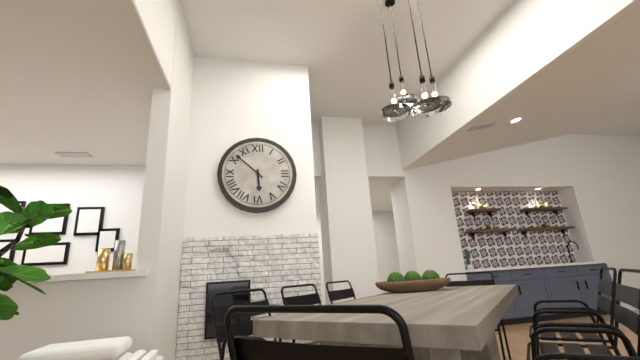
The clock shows 5:52
